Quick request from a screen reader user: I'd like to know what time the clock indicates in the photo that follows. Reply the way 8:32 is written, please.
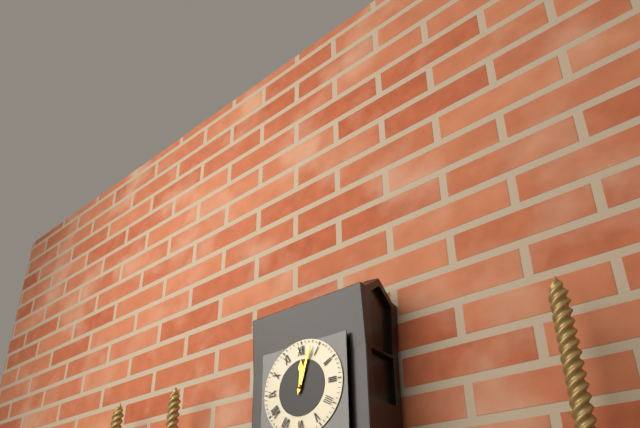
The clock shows 12:03
